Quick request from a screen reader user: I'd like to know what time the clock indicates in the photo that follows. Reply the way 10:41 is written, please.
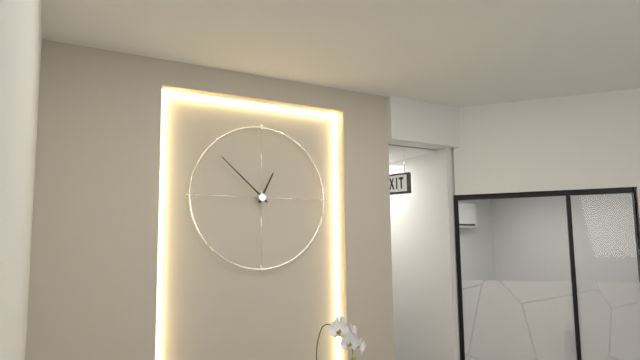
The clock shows 12:52
